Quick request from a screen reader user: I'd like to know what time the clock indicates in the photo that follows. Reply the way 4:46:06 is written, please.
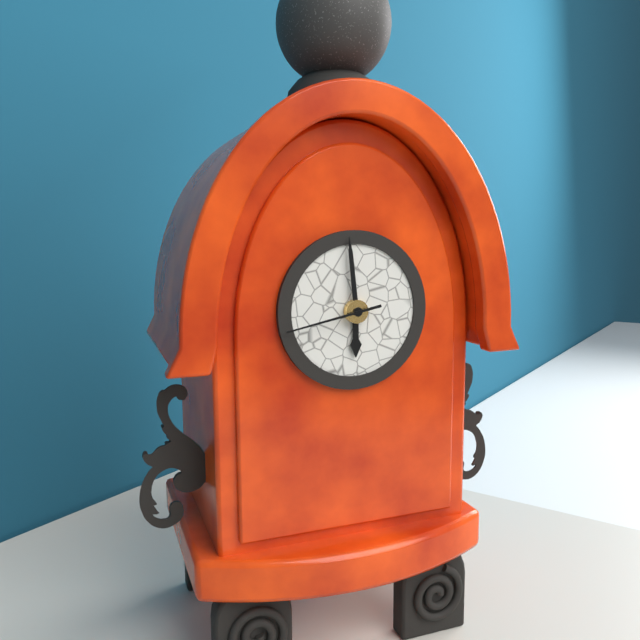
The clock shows 5:59:43
